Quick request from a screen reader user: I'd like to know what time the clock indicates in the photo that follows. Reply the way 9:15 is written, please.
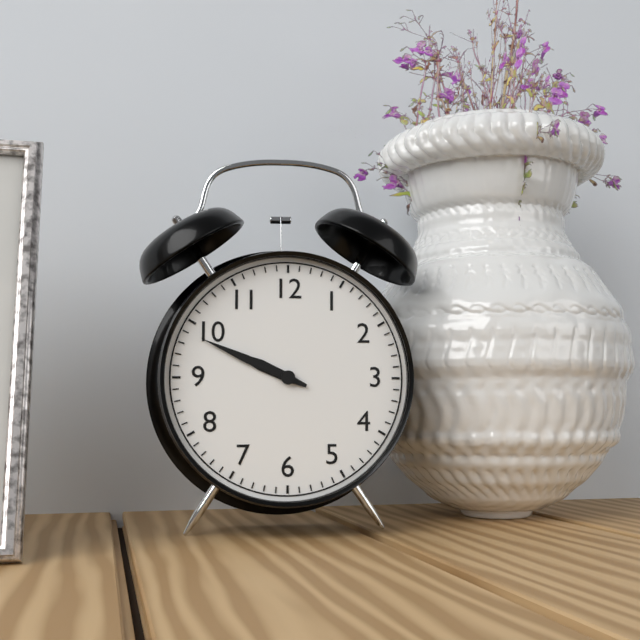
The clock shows 9:49
